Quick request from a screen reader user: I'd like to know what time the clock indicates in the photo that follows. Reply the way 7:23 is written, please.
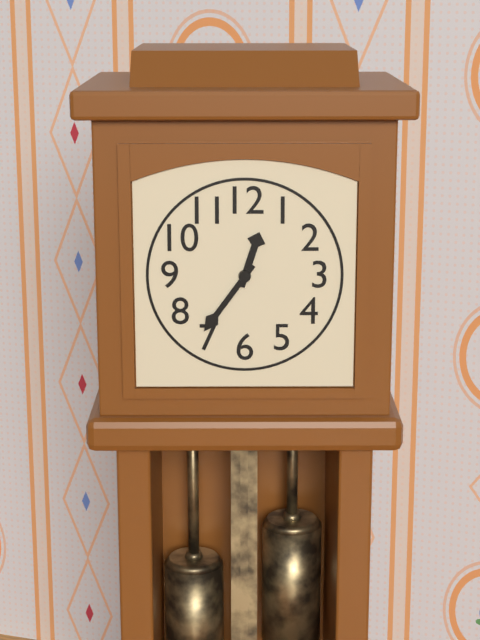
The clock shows 12:36
